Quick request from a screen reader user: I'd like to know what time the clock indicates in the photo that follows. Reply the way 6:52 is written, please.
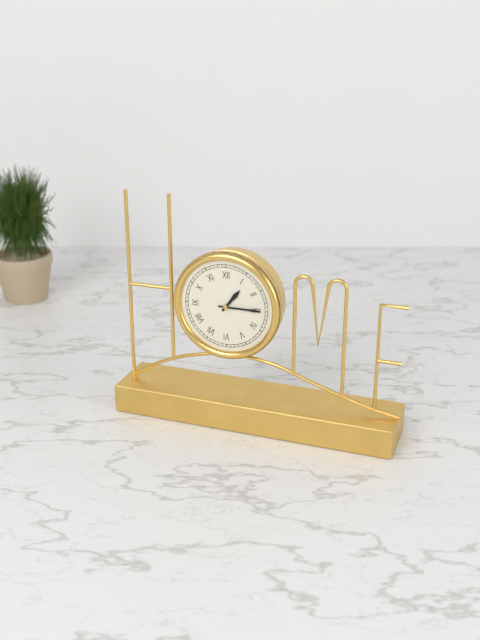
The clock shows 1:15
